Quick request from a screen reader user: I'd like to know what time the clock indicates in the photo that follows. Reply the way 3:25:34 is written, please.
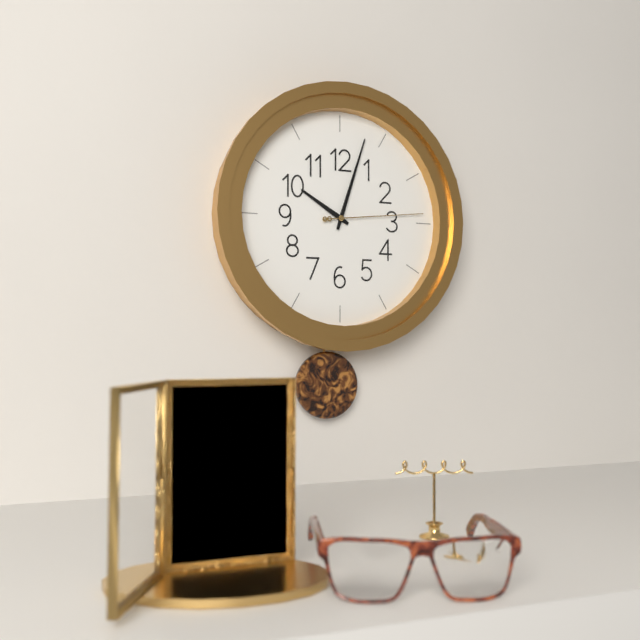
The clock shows 10:03:14
